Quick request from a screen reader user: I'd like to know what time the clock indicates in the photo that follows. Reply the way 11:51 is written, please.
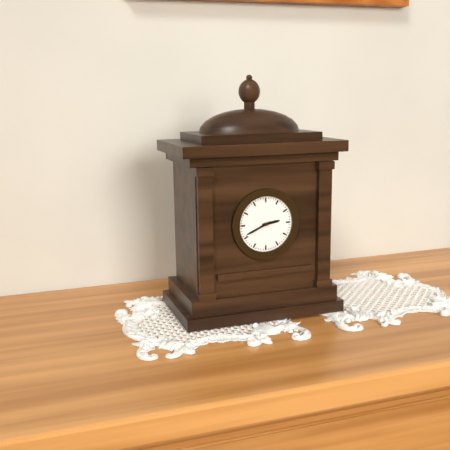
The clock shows 2:41
